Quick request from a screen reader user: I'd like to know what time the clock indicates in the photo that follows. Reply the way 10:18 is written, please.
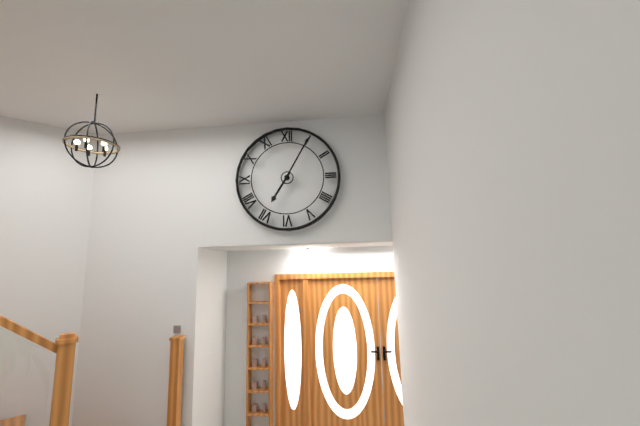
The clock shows 7:05
